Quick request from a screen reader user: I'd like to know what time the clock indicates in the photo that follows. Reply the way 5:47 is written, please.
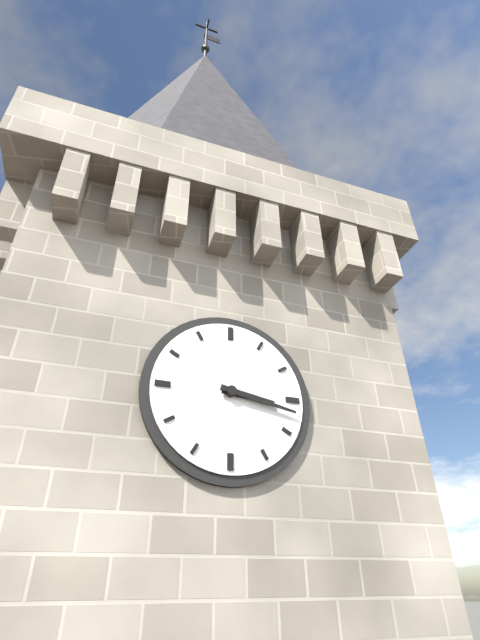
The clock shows 3:17
